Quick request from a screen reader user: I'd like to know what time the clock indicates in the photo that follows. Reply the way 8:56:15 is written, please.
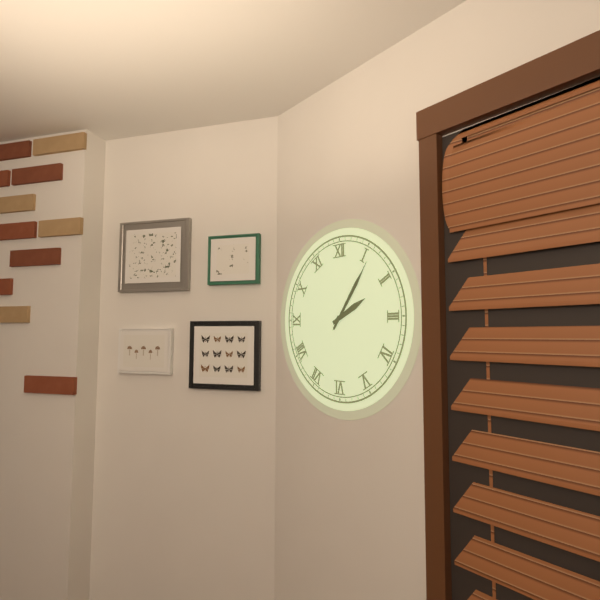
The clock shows 2:06:06
